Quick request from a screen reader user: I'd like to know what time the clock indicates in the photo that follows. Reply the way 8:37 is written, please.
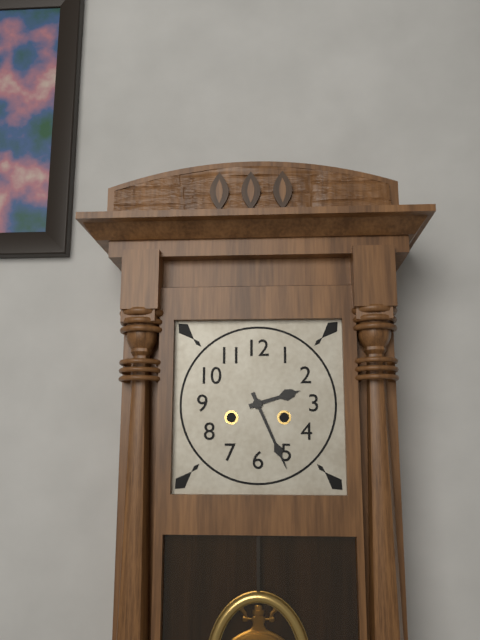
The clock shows 2:26
